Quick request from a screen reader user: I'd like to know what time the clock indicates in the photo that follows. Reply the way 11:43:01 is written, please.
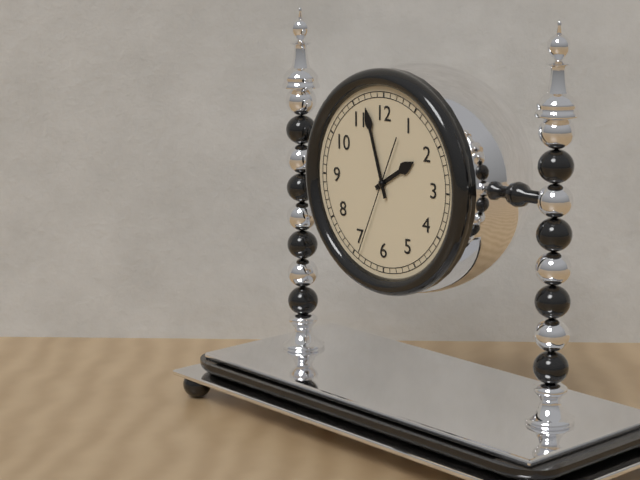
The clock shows 1:57:34
